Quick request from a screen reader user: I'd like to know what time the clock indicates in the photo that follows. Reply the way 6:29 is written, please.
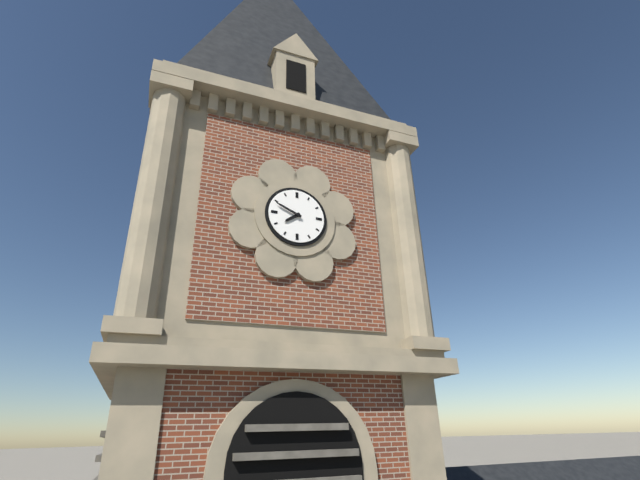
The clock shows 7:49
